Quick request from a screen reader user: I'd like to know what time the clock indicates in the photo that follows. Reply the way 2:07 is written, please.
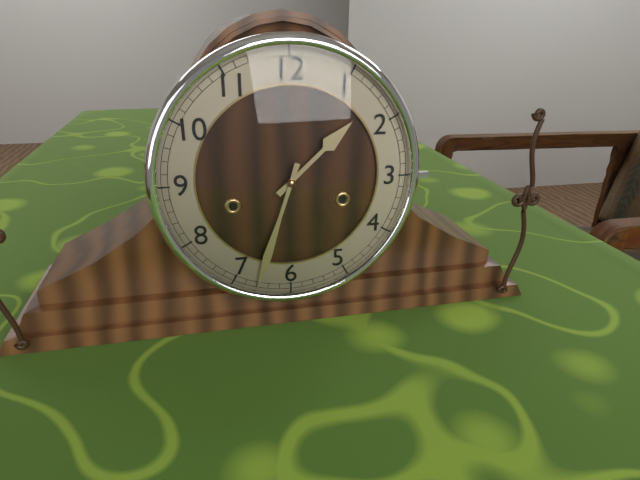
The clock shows 1:33
